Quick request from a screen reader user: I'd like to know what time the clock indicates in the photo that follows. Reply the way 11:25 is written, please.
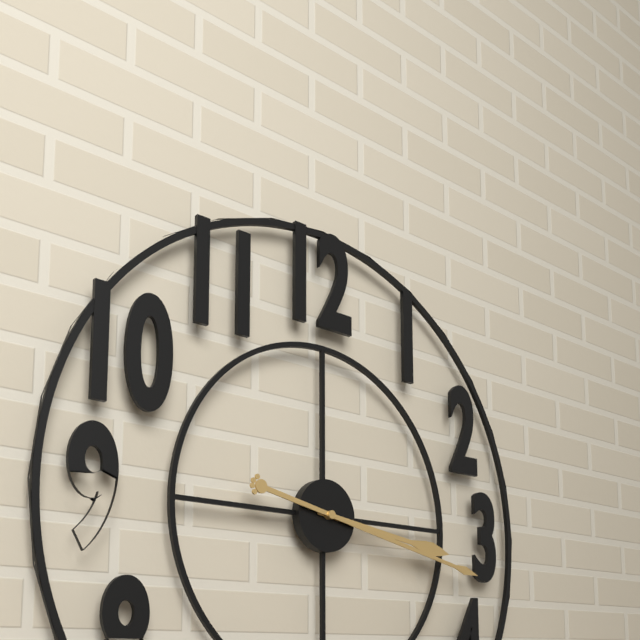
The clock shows 3:17
